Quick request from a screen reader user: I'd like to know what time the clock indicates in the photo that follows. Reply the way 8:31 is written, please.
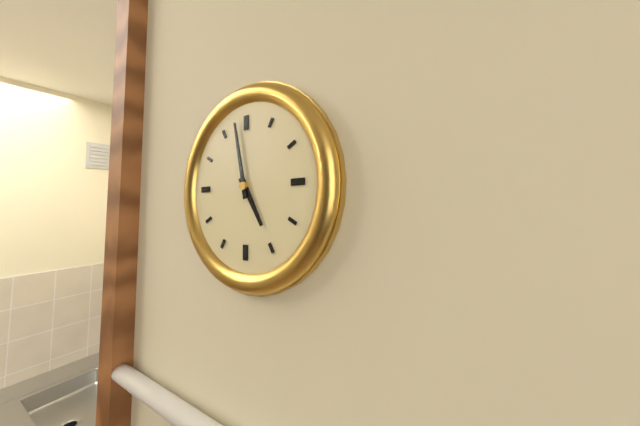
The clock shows 4:58
